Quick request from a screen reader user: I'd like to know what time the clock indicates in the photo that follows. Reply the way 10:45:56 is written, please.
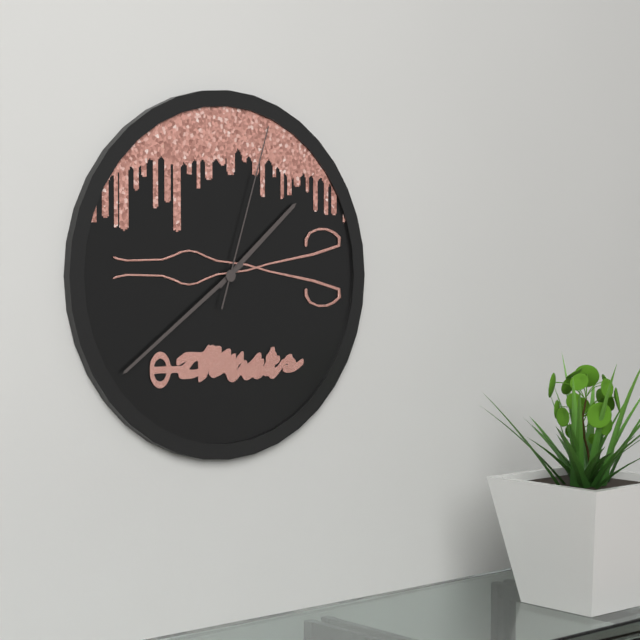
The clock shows 1:39:03
